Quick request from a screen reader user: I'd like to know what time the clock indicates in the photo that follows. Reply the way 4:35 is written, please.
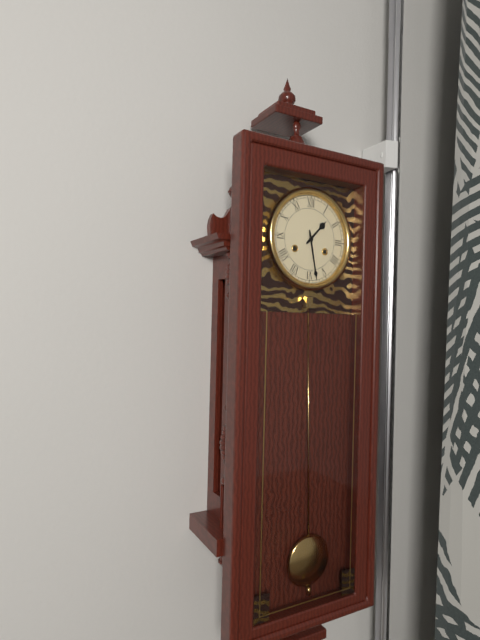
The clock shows 1:28
